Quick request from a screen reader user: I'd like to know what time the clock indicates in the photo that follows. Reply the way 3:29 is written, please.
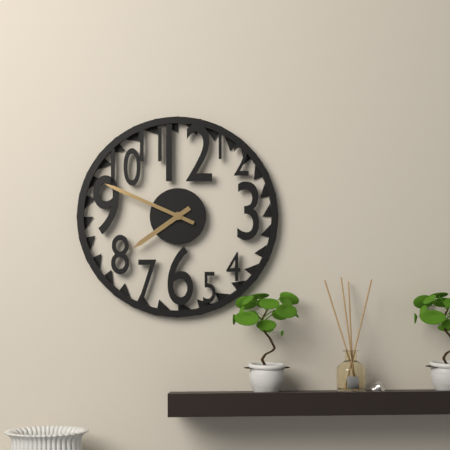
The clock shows 7:49
